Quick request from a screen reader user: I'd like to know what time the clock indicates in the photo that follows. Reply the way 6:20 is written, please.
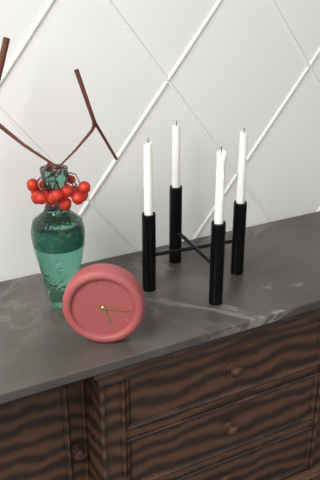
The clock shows 5:16
